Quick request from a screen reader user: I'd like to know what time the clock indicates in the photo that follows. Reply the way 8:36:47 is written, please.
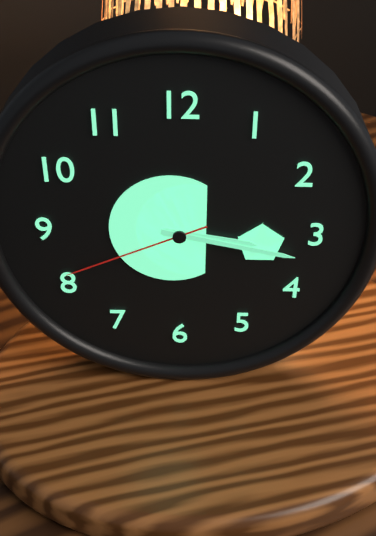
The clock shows 3:17:41
